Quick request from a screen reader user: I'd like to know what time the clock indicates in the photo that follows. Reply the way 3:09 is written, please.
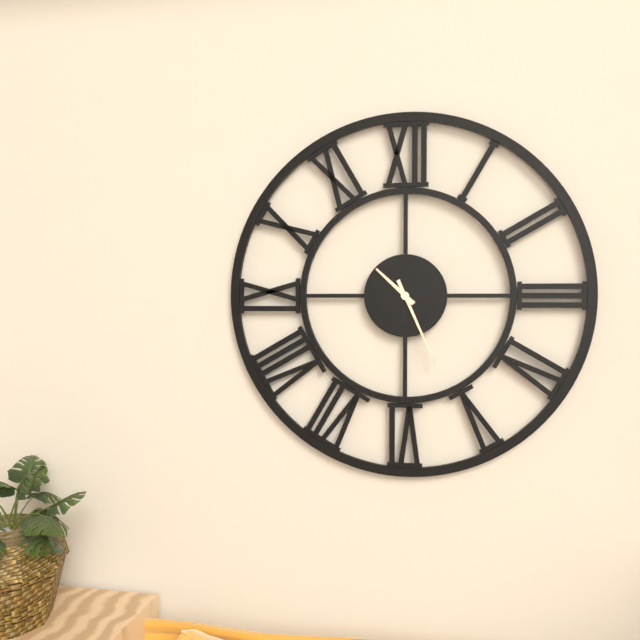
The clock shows 10:26
